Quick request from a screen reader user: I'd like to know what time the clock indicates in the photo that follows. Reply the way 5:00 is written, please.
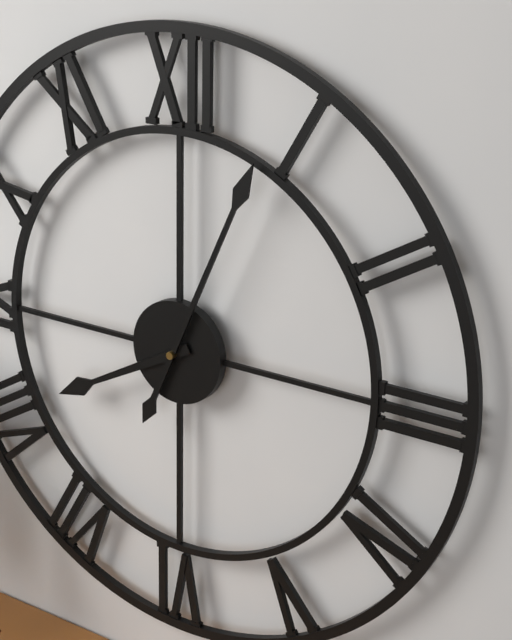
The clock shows 8:04
